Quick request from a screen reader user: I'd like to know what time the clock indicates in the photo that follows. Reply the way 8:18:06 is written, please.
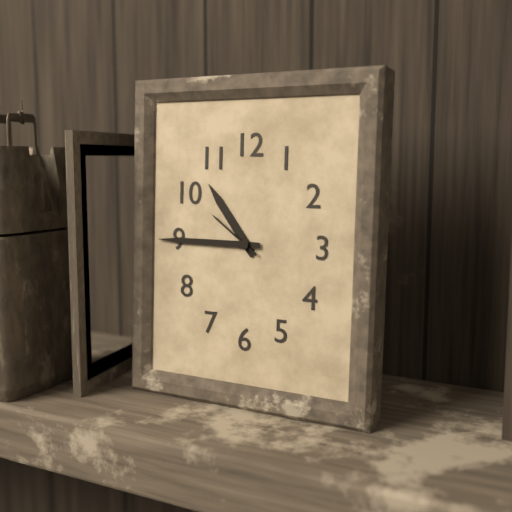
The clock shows 10:45:51
